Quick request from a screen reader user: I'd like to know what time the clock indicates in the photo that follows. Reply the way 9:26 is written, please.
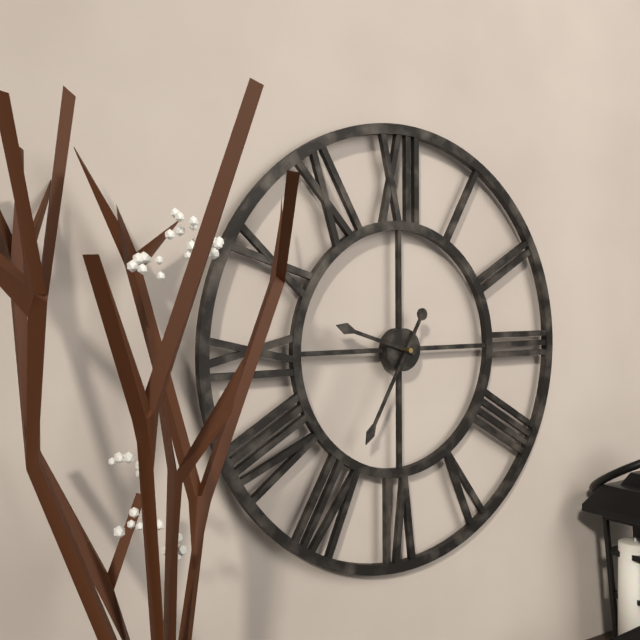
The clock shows 9:35
